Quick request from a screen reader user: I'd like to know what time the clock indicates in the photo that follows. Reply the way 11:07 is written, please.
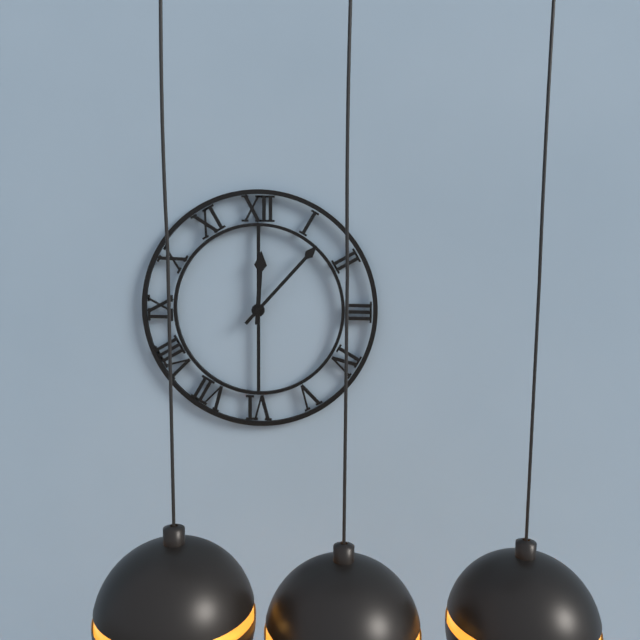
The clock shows 12:07
